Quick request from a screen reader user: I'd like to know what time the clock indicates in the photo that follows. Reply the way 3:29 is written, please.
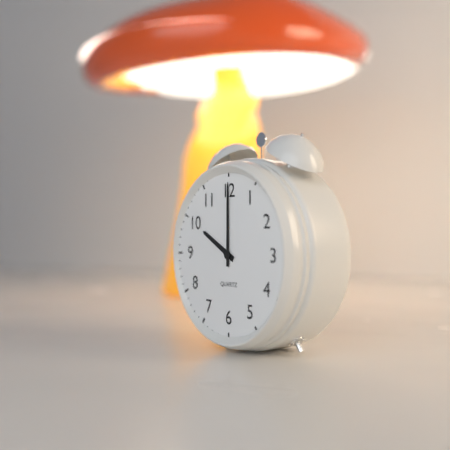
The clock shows 10:00
